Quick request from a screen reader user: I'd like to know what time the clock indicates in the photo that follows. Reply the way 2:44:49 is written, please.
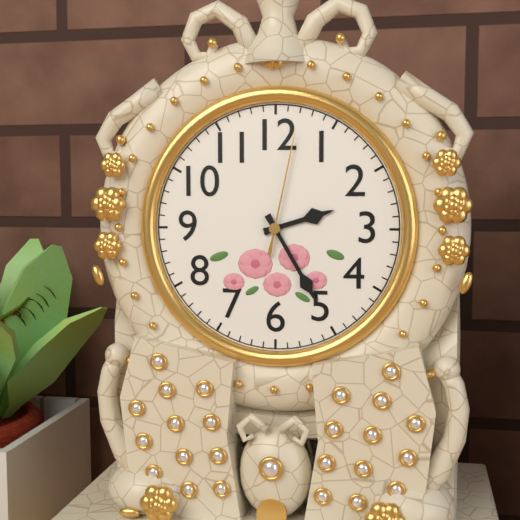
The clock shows 2:25:02
